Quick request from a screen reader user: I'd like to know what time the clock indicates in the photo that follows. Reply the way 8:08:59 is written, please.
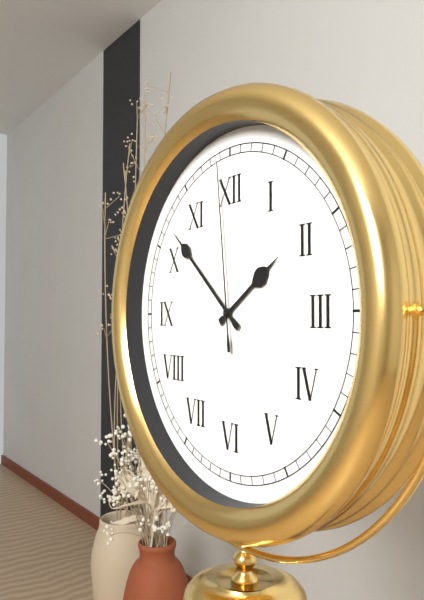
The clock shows 1:52:59
